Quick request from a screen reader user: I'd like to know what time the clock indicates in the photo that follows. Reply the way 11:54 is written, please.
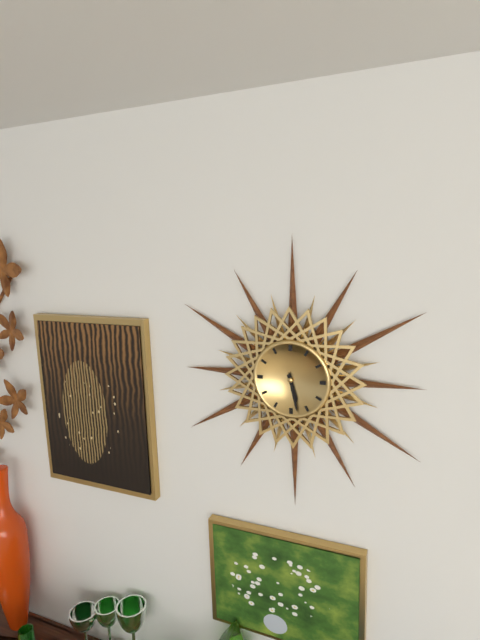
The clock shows 5:28
